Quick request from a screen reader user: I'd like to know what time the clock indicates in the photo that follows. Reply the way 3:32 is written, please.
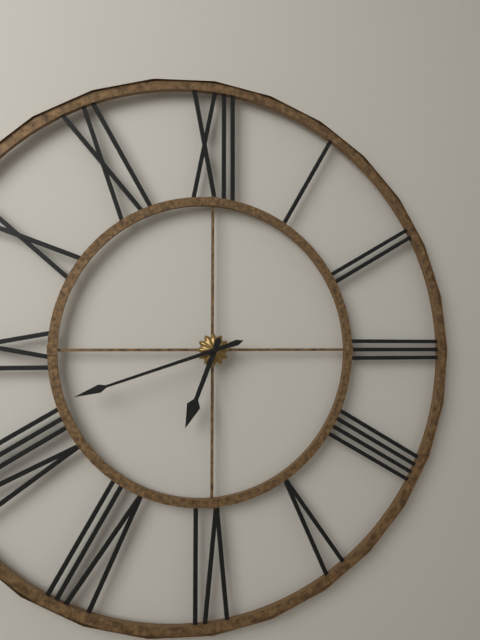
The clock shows 6:42
